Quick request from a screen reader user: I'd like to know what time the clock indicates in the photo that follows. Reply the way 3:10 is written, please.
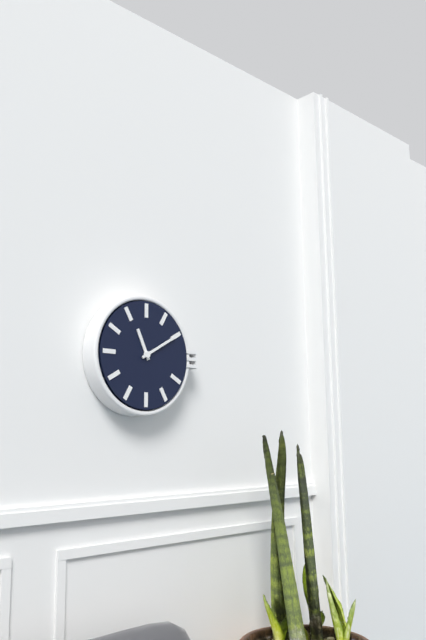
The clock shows 11:10
